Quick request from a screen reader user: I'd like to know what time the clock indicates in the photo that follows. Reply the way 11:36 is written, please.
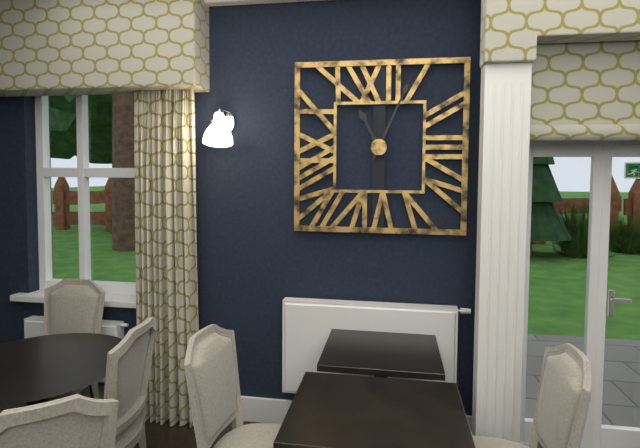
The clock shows 11:04
